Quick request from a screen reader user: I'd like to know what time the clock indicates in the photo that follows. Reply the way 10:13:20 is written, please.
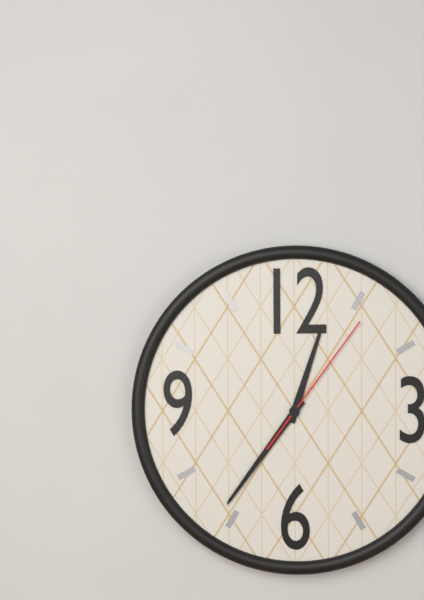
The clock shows 12:36:06
